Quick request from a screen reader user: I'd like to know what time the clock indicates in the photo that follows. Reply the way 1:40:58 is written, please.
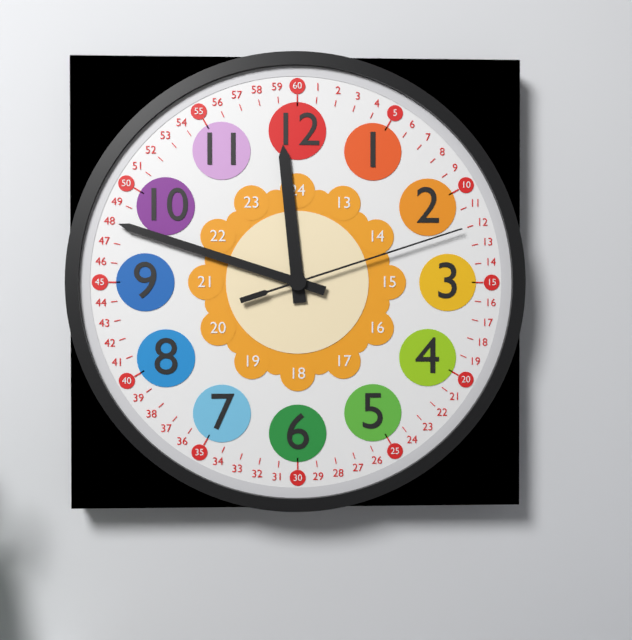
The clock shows 11:48:12
